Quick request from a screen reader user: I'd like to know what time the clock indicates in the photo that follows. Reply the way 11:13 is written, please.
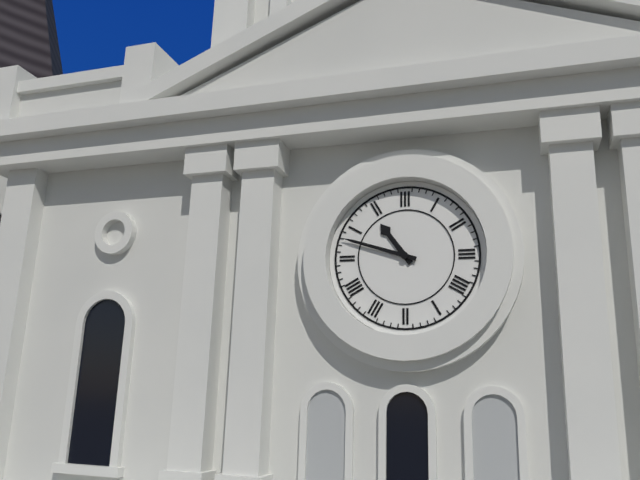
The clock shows 10:48
